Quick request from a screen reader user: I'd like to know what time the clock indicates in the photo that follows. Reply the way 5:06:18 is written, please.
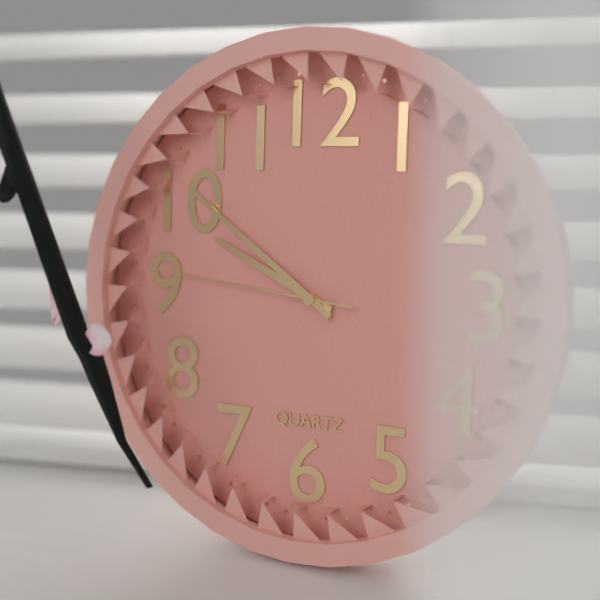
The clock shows 9:51:46
